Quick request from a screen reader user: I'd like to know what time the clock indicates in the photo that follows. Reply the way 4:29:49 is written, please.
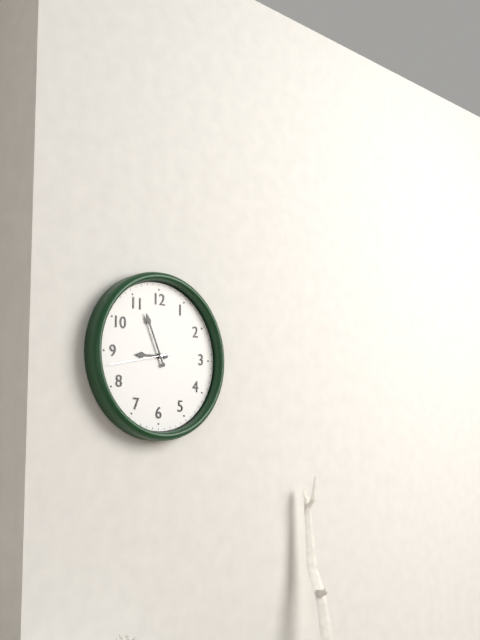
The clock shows 8:56:43
